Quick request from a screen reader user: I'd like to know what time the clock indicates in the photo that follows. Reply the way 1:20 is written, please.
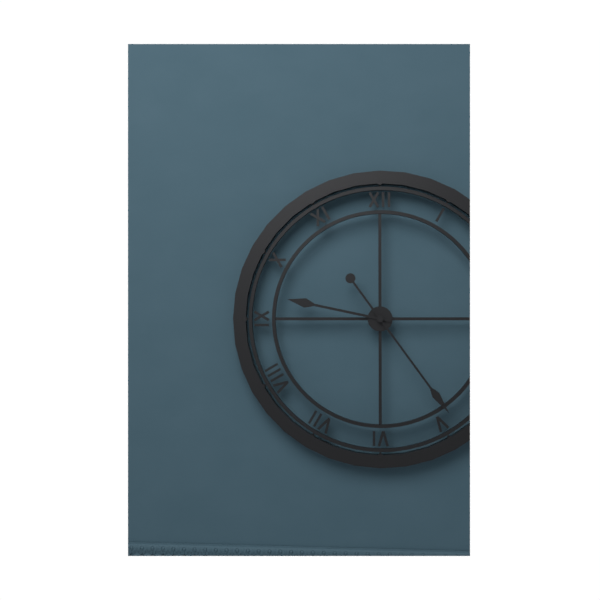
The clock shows 9:24
